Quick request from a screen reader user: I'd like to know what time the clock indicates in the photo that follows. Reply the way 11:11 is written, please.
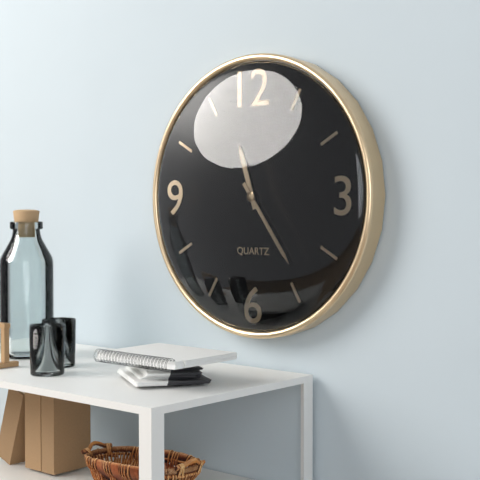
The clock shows 11:24
